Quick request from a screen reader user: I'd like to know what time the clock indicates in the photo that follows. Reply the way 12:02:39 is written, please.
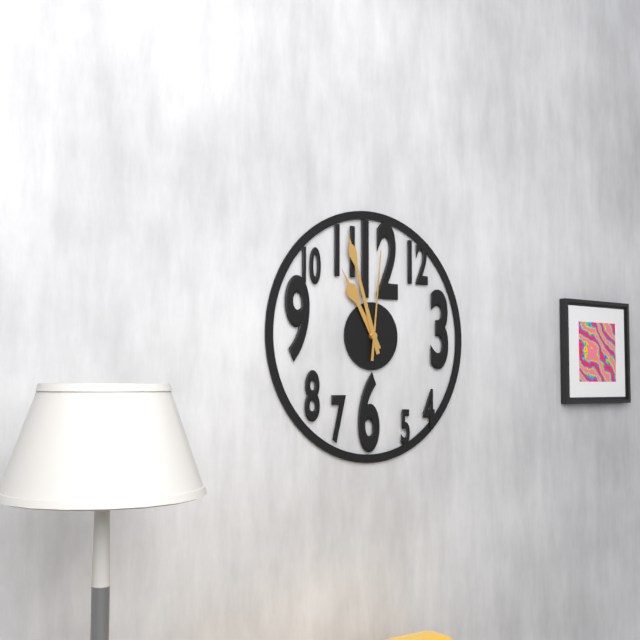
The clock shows 10:57:01
